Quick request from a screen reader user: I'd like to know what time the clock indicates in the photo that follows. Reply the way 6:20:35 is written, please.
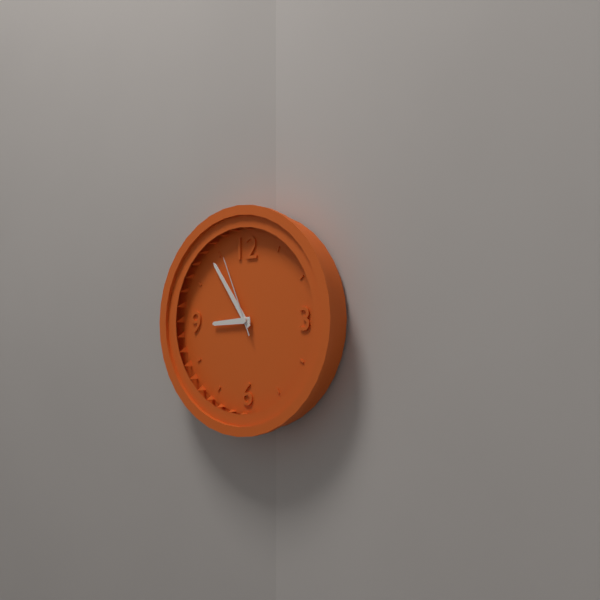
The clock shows 8:54:56
